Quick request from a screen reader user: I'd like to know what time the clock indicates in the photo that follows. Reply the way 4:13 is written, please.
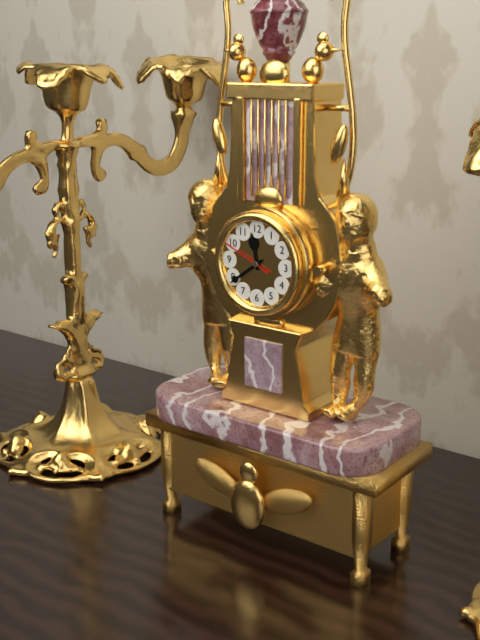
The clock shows 11:39
